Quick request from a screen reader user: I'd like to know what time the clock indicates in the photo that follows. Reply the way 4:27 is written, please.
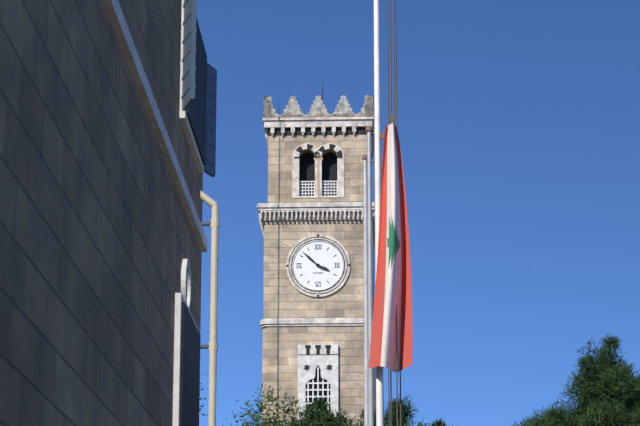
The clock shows 3:52
